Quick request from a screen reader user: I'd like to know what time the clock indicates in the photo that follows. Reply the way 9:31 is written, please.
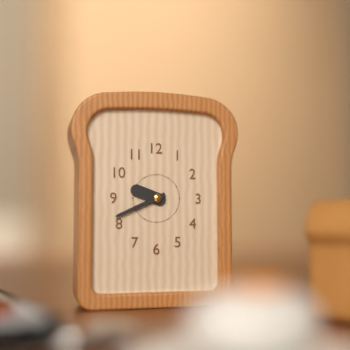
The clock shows 9:41
